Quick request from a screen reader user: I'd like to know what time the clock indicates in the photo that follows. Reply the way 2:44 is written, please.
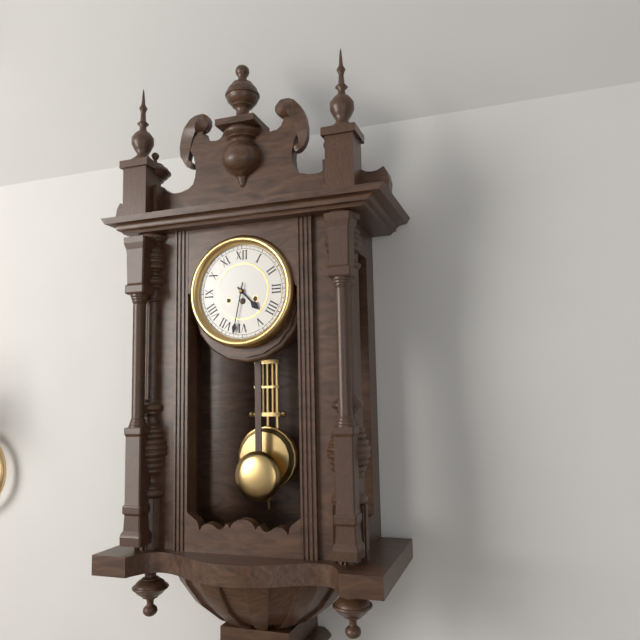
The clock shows 4:32
